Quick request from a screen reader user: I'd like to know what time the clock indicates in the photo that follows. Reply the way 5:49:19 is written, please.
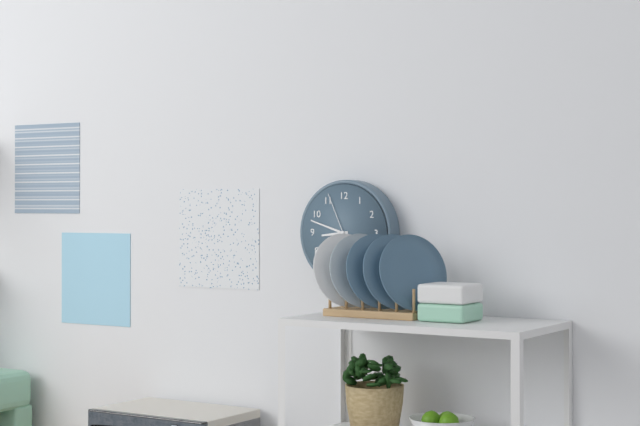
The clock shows 8:48:56
